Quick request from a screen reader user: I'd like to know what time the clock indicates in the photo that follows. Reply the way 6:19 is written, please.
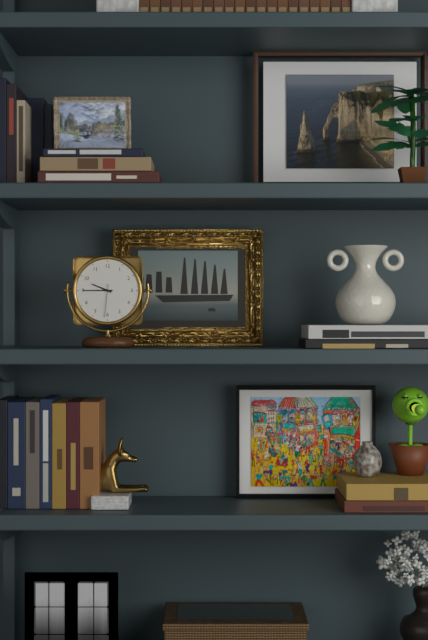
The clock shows 9:45
